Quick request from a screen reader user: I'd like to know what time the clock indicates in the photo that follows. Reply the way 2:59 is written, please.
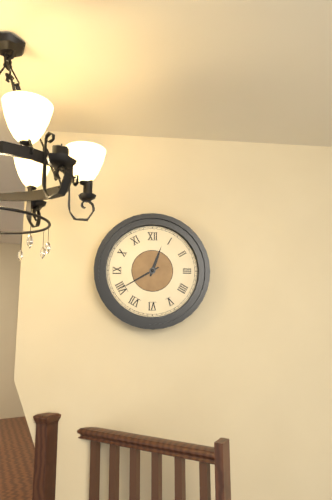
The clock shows 12:40
